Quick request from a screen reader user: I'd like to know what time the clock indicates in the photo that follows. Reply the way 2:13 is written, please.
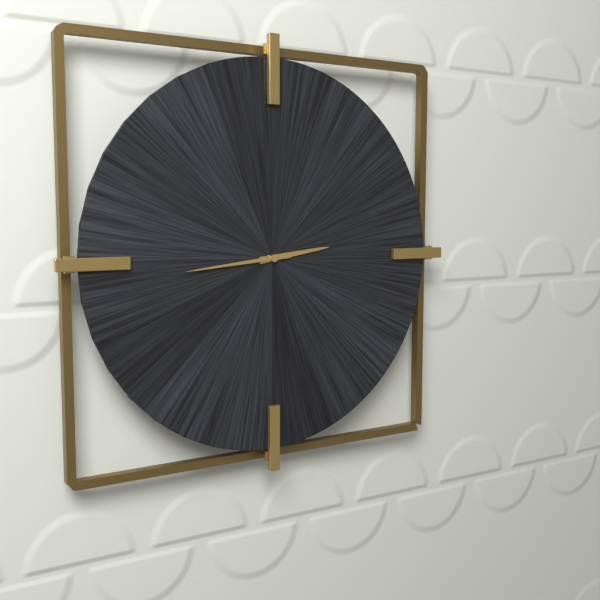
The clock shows 2:44
